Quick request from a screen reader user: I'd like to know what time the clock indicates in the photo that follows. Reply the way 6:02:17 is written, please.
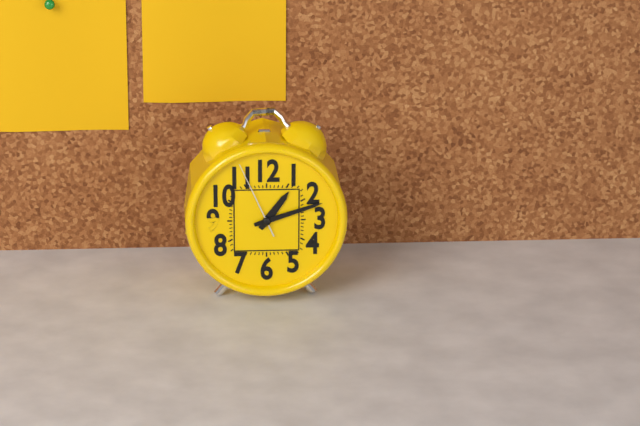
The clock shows 1:12:56
